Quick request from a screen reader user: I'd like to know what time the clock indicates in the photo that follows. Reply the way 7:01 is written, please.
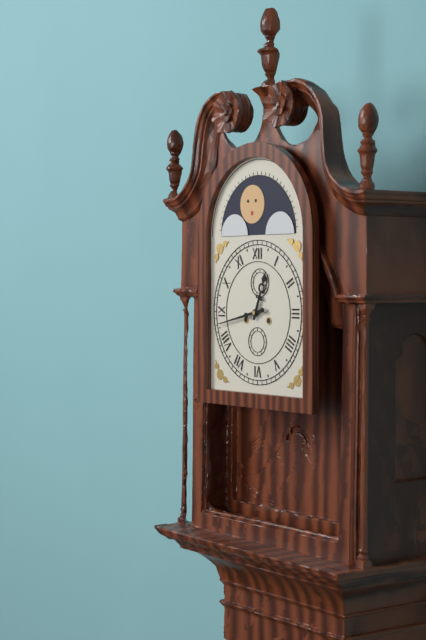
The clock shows 12:43
